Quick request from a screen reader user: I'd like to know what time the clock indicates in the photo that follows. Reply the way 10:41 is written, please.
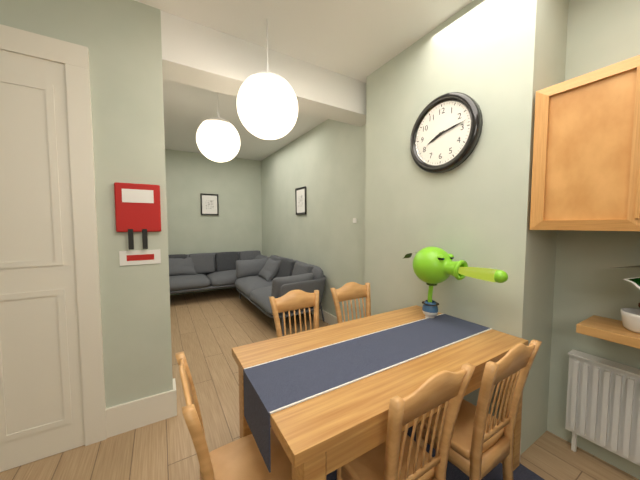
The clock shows 8:13
